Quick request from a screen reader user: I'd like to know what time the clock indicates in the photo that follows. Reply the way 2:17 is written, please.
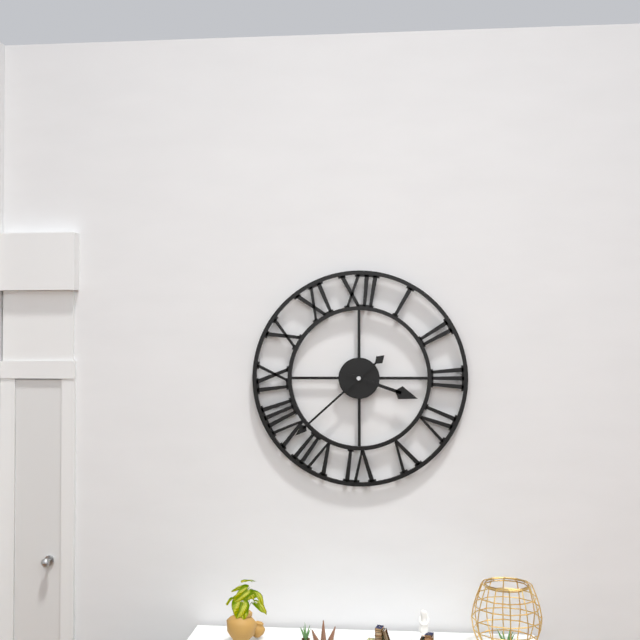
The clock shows 3:38
